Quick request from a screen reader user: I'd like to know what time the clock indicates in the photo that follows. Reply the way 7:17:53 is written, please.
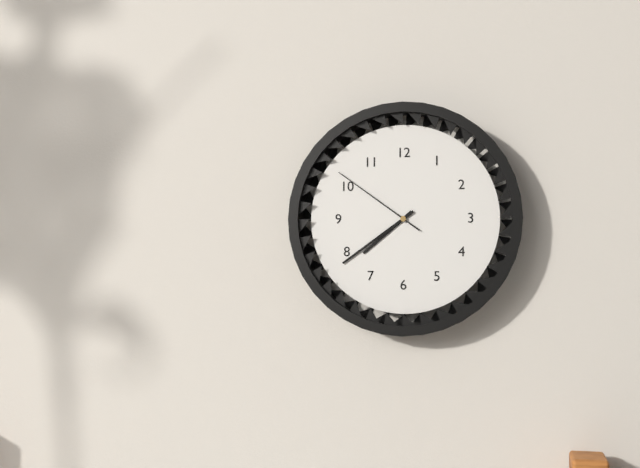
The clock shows 7:39:51
